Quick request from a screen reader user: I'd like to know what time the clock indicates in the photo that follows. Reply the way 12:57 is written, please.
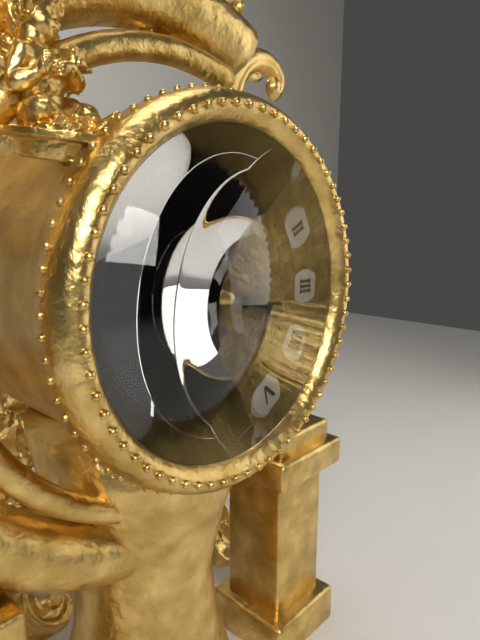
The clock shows 3:31
